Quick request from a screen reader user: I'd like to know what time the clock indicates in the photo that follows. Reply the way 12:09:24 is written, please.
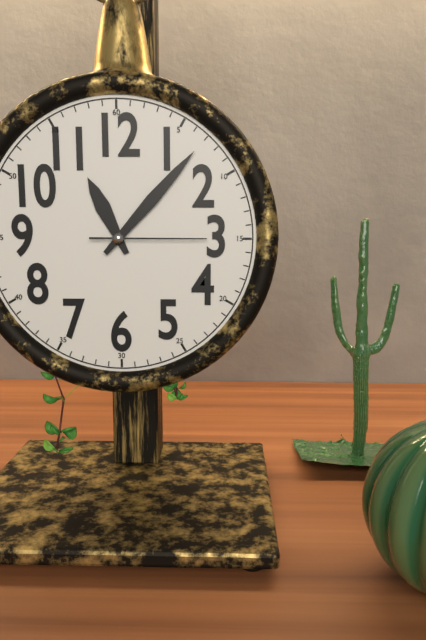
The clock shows 11:07:15
